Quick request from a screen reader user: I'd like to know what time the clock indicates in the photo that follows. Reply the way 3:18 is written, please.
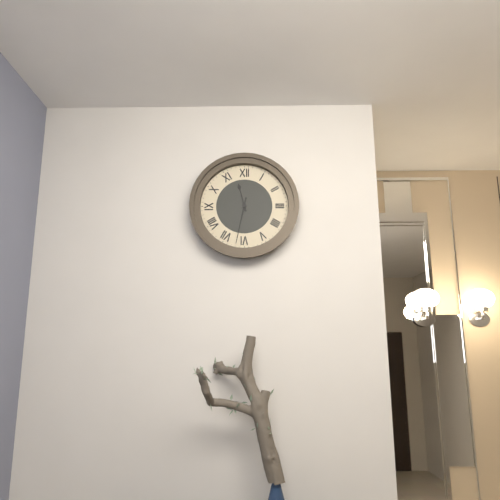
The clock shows 11:32
